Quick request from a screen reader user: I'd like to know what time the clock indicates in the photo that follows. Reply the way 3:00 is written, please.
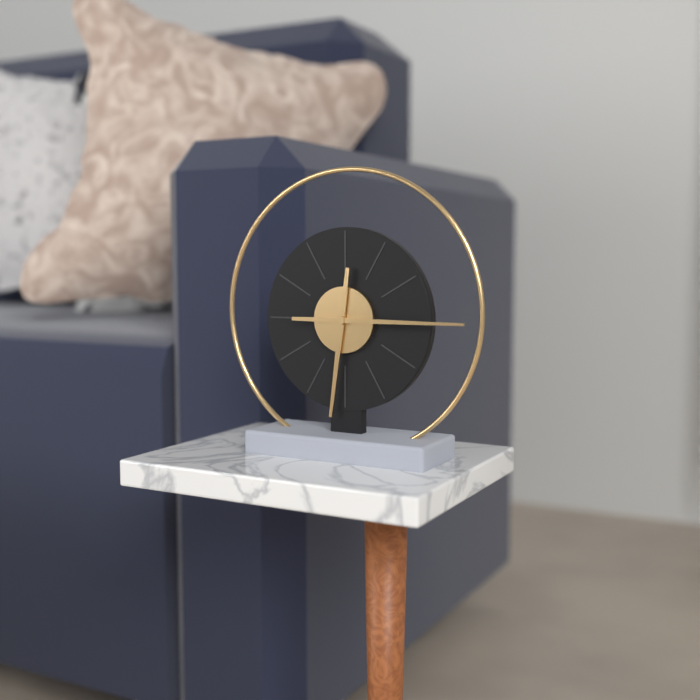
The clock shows 6:15
